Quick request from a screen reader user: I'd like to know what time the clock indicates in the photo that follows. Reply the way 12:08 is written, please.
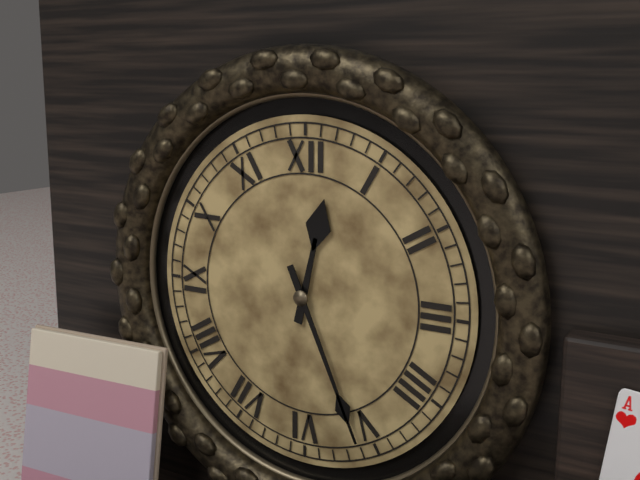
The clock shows 12:26
